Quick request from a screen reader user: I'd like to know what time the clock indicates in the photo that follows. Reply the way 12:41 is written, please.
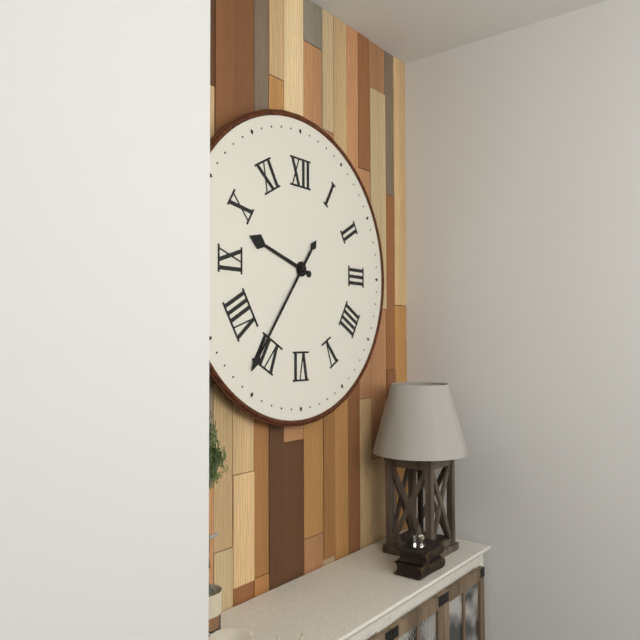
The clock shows 9:36
